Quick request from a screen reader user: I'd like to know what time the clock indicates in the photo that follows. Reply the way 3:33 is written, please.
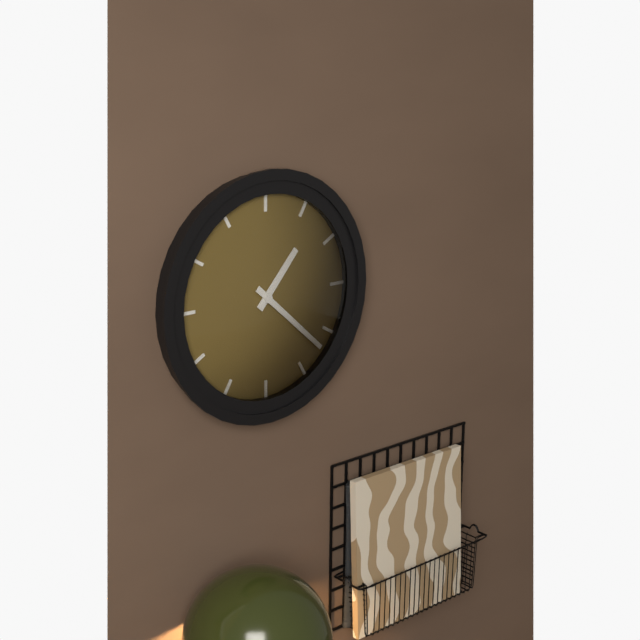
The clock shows 1:22
